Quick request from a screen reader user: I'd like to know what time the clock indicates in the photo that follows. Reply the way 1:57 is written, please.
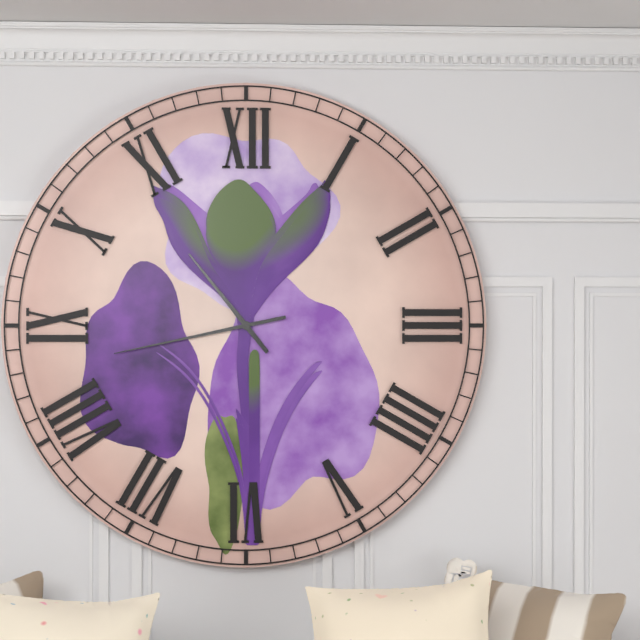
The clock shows 10:43
